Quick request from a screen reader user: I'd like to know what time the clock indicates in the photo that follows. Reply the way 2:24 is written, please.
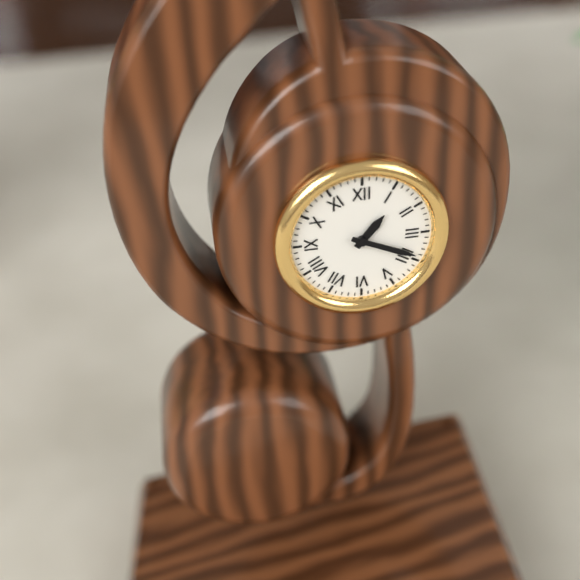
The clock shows 1:19
